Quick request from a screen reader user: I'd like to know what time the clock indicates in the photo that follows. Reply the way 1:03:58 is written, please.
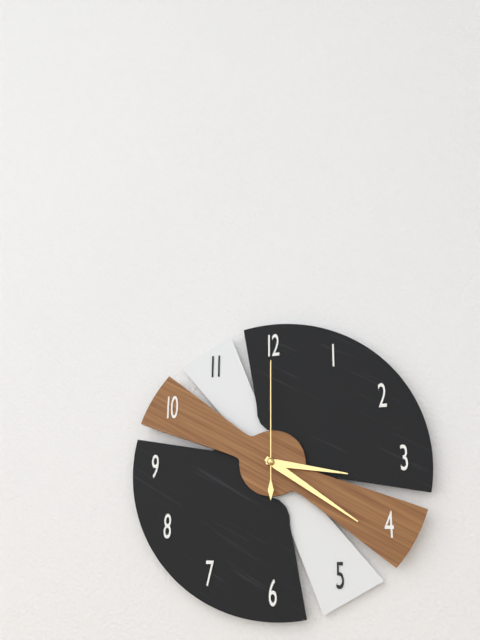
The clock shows 3:21:00
